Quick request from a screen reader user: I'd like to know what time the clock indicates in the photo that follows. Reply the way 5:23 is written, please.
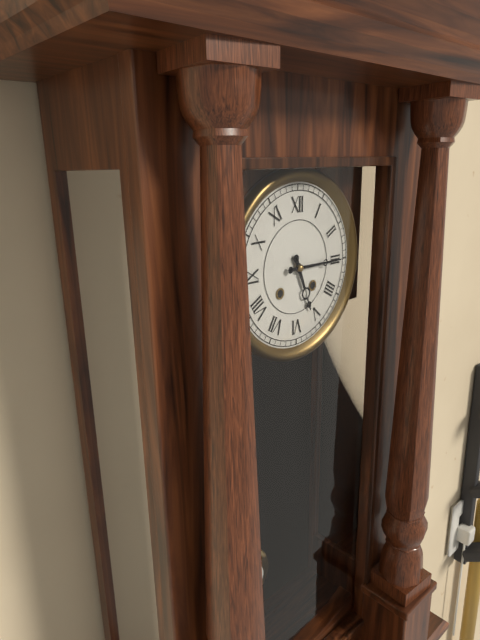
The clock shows 5:15
